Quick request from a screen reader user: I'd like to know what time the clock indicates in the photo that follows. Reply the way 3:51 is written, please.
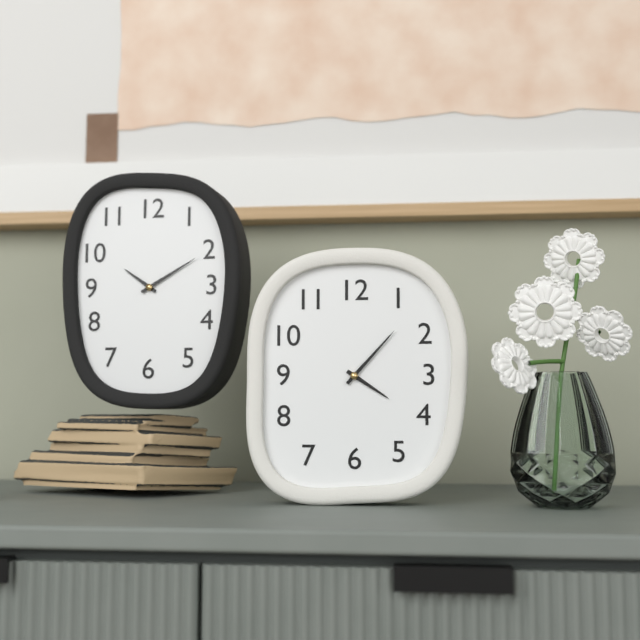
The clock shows 4:07
